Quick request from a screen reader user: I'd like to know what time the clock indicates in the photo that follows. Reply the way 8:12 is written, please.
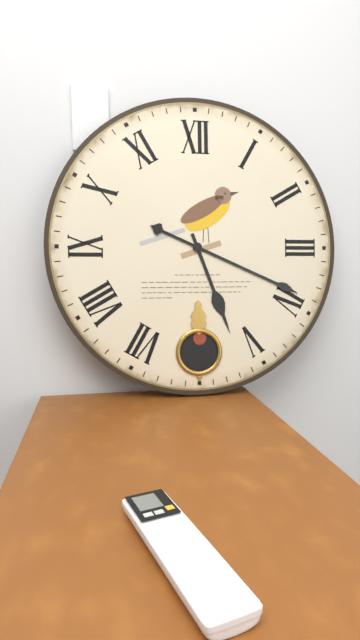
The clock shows 5:19
